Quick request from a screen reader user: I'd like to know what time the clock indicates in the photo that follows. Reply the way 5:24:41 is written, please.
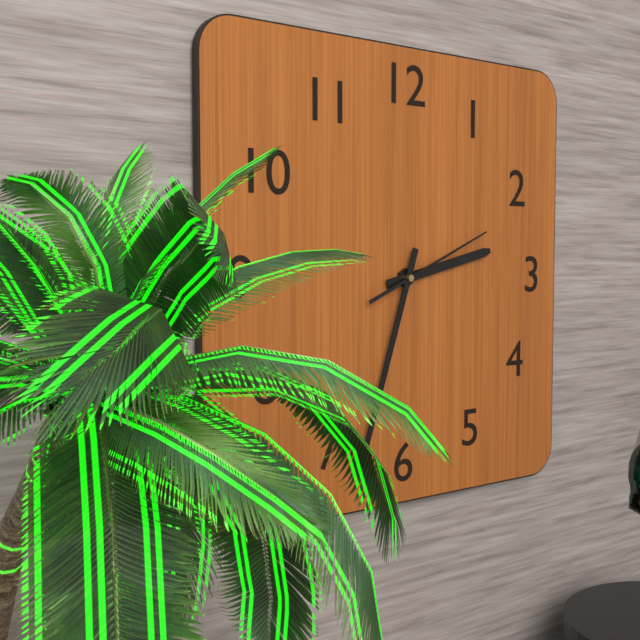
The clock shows 2:33:11
